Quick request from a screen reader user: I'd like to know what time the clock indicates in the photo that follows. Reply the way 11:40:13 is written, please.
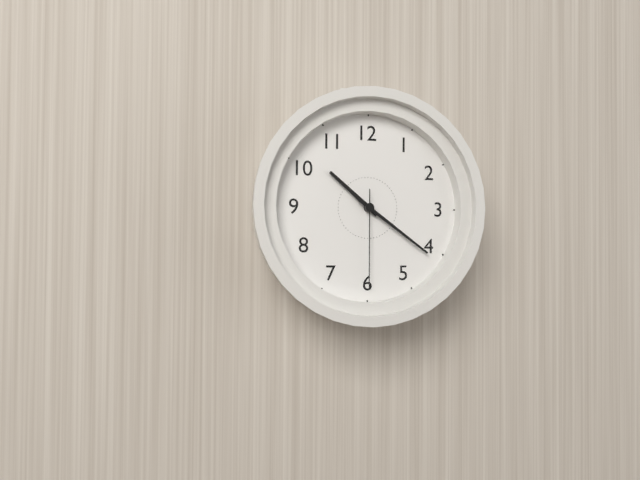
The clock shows 10:21:30
